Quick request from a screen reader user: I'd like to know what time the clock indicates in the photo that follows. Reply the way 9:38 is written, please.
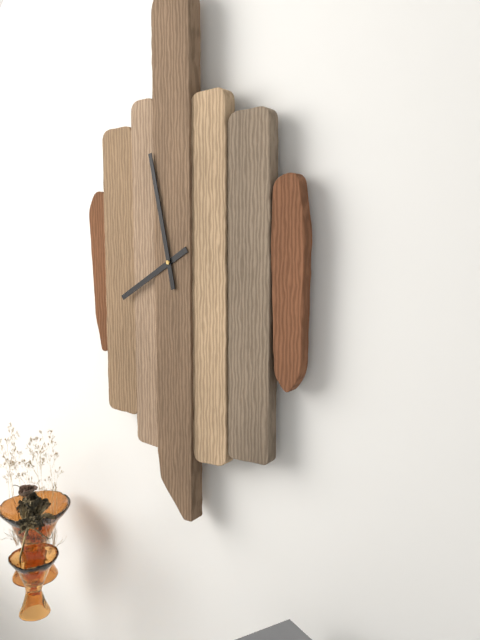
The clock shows 7:58
